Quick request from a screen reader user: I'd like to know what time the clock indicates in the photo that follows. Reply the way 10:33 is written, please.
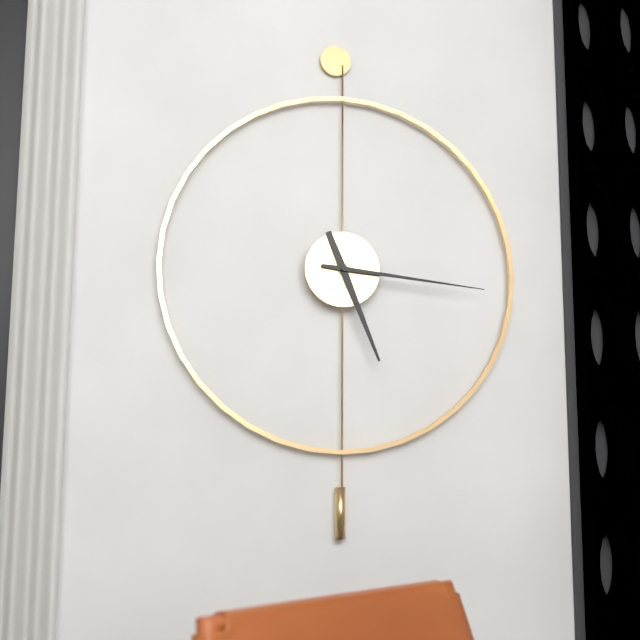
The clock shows 5:16
